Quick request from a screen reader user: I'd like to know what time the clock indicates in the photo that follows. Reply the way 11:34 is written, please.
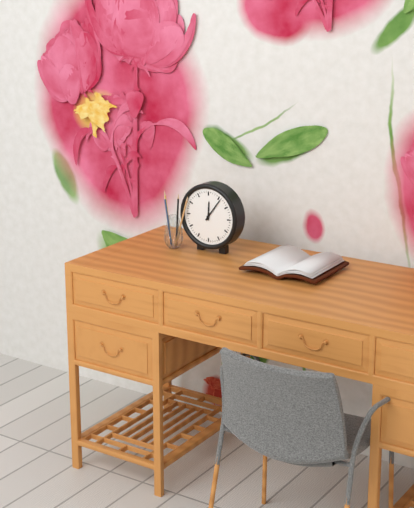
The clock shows 12:06
